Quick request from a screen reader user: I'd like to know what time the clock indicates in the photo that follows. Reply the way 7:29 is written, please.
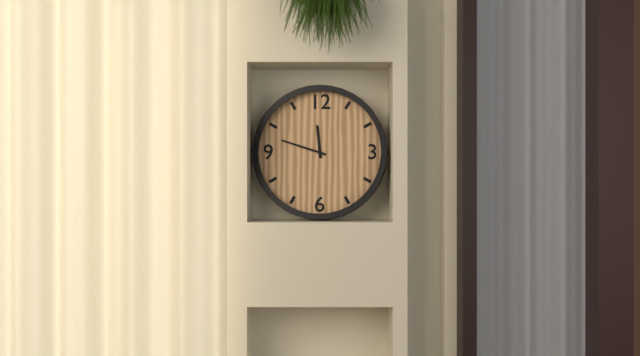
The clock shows 11:48
